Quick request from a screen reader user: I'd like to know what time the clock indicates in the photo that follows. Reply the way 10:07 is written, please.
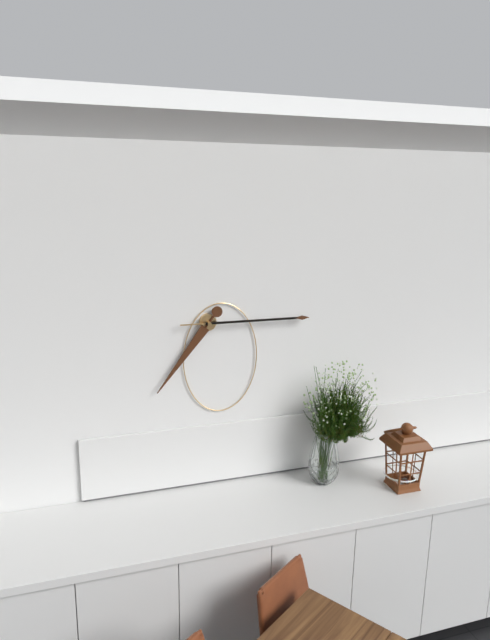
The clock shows 7:15
